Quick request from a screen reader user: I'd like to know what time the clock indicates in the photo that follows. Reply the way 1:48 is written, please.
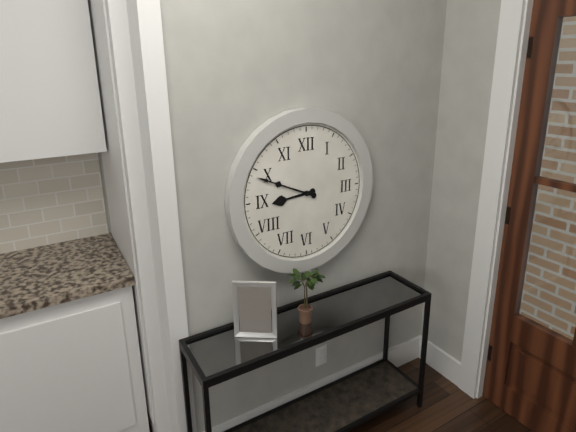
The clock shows 8:49
